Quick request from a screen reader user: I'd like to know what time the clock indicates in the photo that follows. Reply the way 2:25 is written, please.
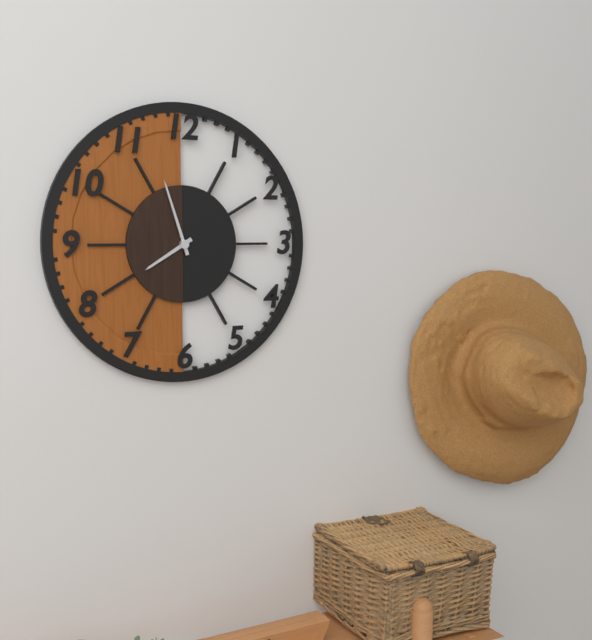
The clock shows 7:57
